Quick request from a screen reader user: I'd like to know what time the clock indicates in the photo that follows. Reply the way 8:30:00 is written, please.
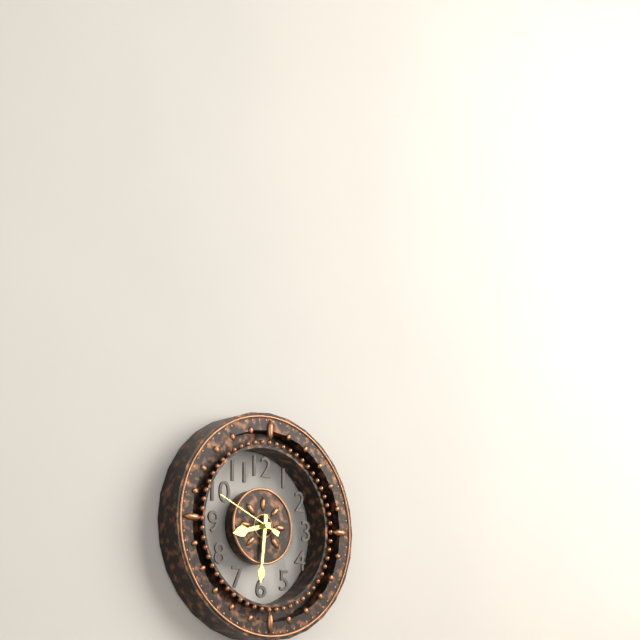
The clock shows 8:31:49
